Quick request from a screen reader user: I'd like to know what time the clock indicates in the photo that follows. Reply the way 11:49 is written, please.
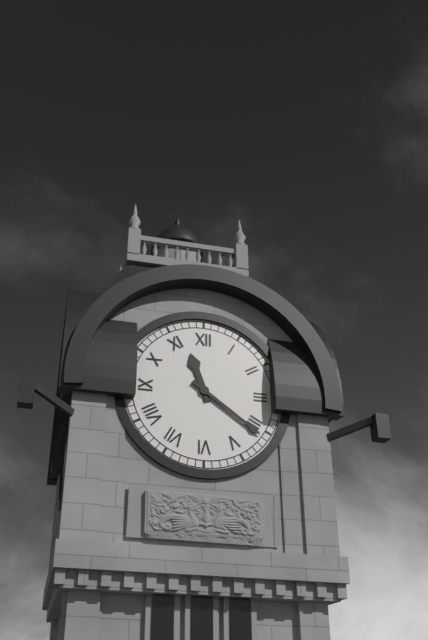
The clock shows 11:21
